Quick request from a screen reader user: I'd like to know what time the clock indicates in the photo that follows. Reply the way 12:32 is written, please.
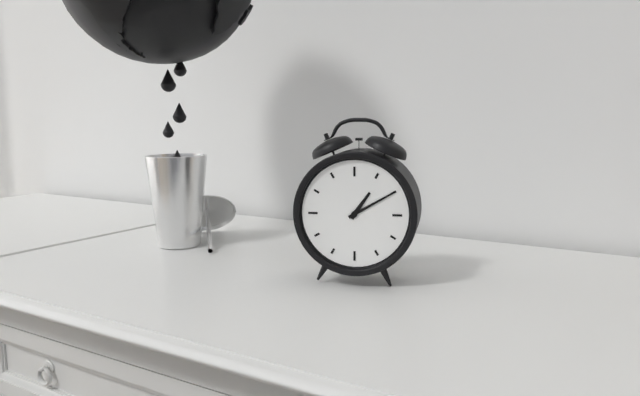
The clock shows 1:10
